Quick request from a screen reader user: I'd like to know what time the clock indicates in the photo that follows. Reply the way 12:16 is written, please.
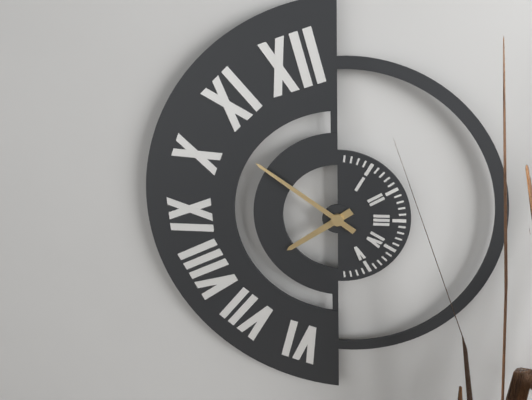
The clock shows 7:51
